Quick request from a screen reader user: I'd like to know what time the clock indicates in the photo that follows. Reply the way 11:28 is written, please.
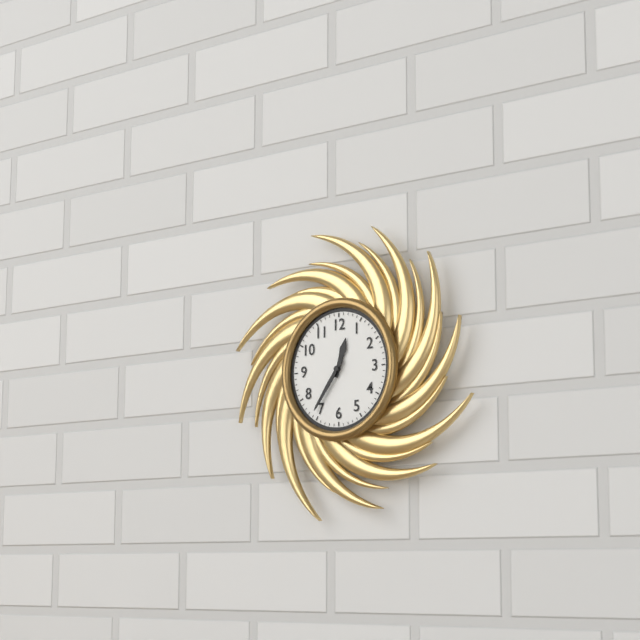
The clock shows 12:36
